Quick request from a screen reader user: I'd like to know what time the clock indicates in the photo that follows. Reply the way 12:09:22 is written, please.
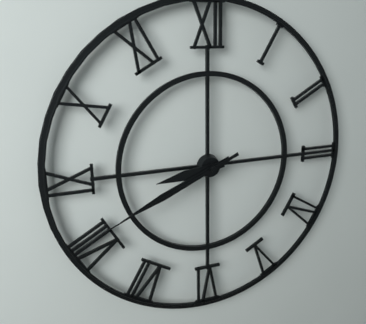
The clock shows 8:41:41
